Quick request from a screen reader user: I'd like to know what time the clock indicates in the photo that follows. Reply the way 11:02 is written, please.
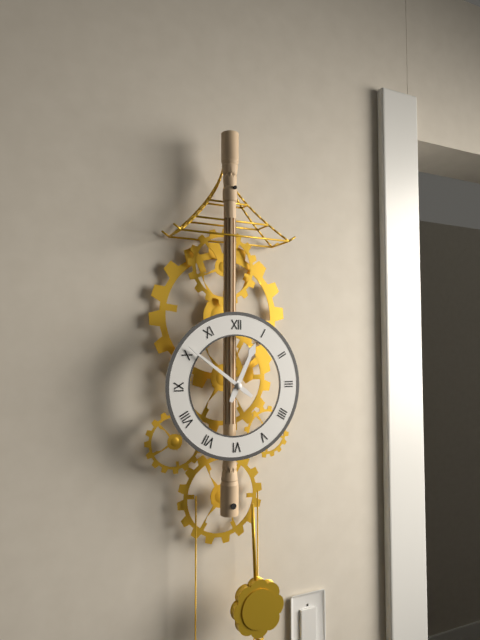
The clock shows 12:51
